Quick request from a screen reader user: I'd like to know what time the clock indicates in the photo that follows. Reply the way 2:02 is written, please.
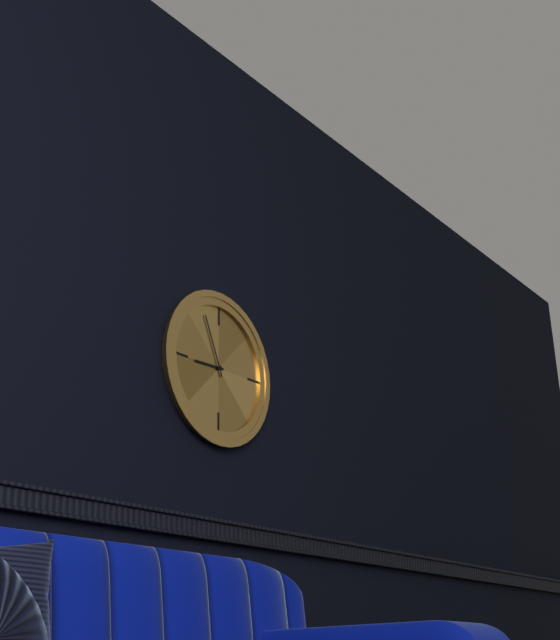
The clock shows 8:56
